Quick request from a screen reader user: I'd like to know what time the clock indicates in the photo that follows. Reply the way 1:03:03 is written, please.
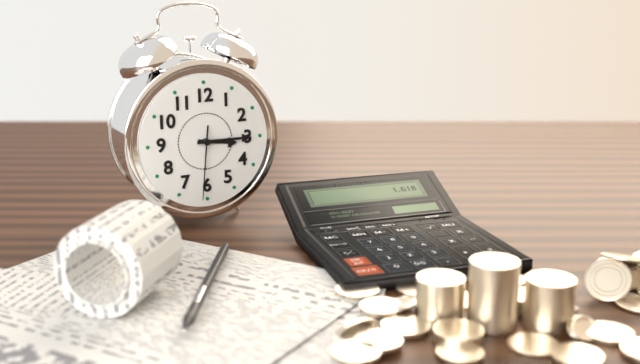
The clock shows 3:15:31
